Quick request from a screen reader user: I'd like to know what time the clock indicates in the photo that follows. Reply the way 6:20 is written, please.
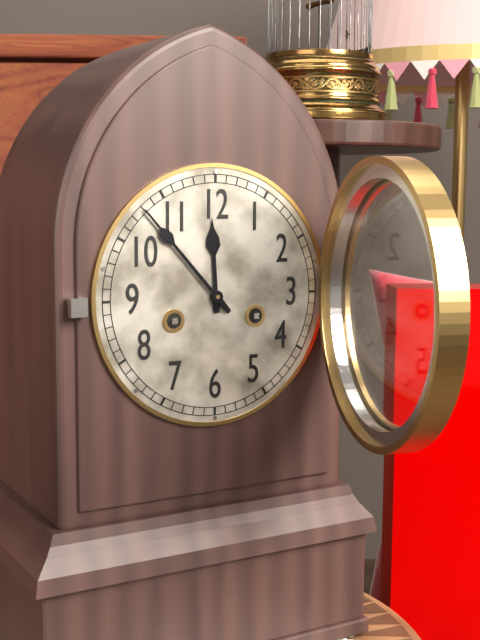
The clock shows 11:53
